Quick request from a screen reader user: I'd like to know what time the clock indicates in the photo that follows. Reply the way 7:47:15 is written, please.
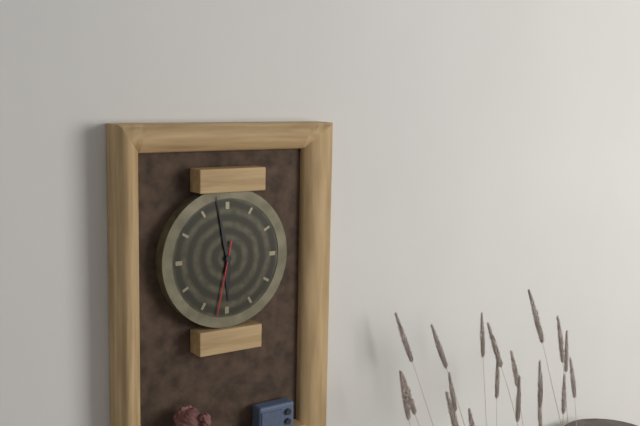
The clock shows 5:58:32
